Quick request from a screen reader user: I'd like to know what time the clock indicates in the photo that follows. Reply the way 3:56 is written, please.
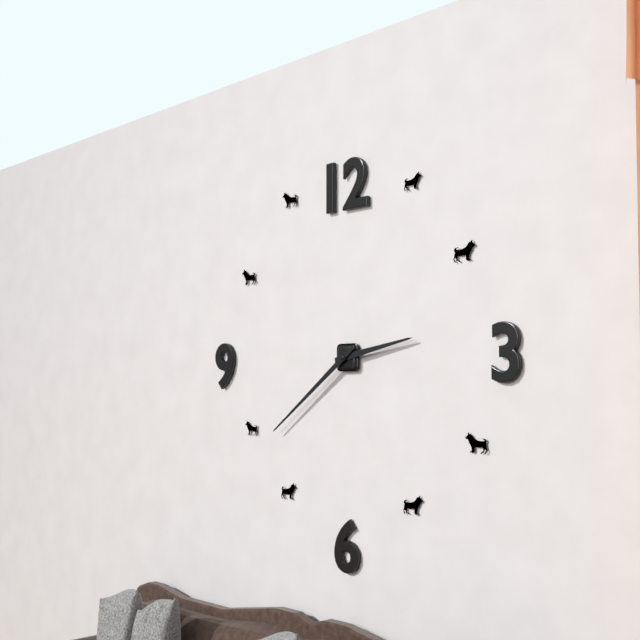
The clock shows 2:39
